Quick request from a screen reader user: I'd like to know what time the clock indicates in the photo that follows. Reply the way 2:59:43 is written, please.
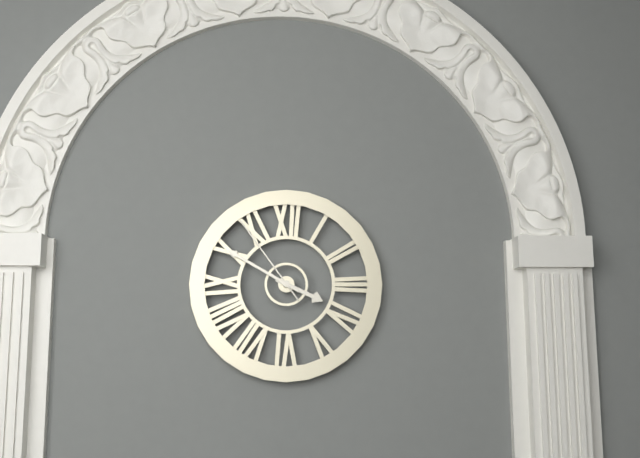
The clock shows 3:50:54
